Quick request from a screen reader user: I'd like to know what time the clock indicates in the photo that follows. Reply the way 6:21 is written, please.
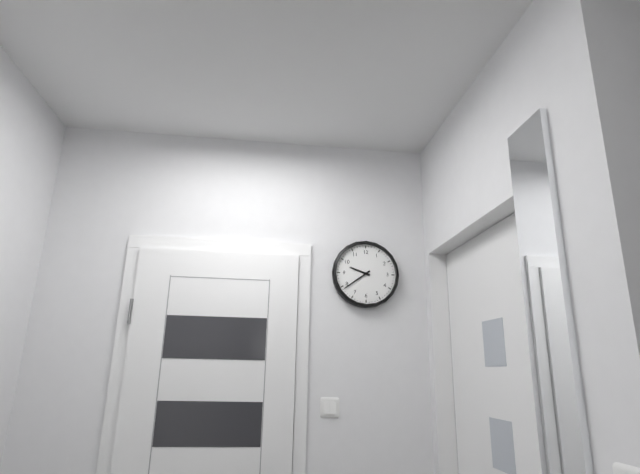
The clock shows 9:39
